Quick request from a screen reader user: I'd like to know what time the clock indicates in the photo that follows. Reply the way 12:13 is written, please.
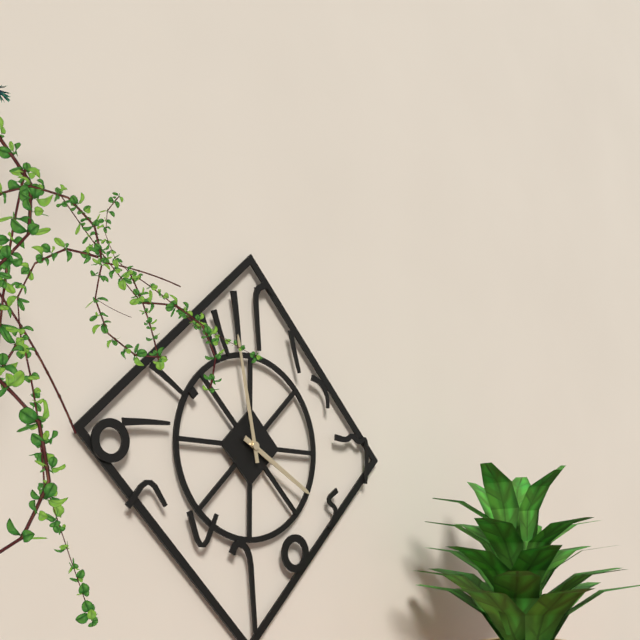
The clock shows 3:58
